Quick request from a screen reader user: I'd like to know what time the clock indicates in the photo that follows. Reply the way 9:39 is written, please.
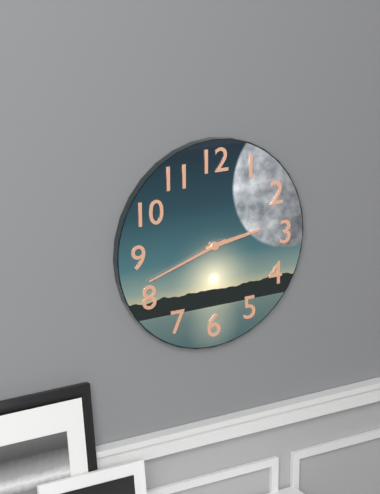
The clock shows 2:42
